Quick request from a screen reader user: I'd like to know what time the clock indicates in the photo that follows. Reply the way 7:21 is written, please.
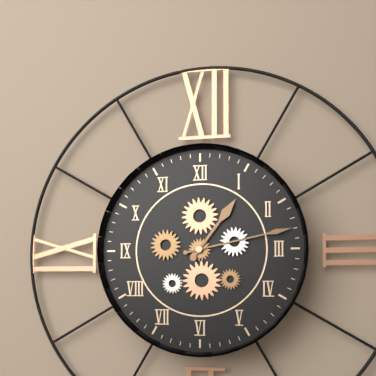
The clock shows 1:13
